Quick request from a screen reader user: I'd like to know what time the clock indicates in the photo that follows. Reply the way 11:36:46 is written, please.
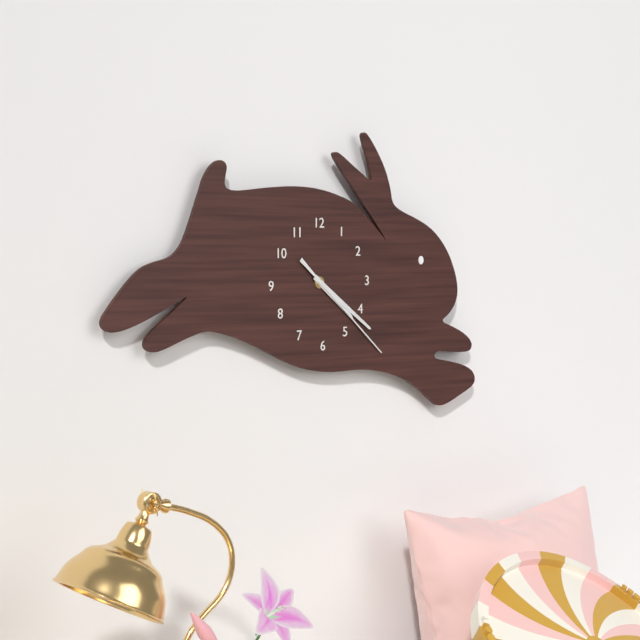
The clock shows 4:21:22
